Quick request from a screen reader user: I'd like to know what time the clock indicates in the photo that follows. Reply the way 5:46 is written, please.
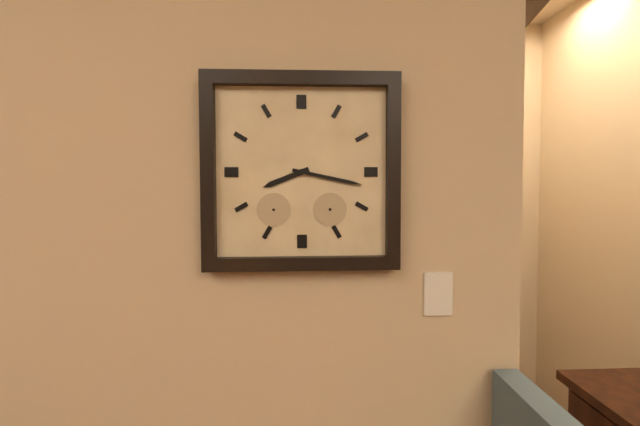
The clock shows 8:17
